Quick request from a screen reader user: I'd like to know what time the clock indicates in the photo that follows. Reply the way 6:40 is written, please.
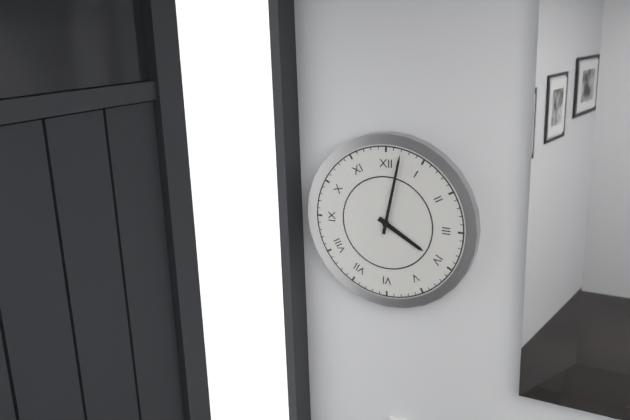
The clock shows 4:02
